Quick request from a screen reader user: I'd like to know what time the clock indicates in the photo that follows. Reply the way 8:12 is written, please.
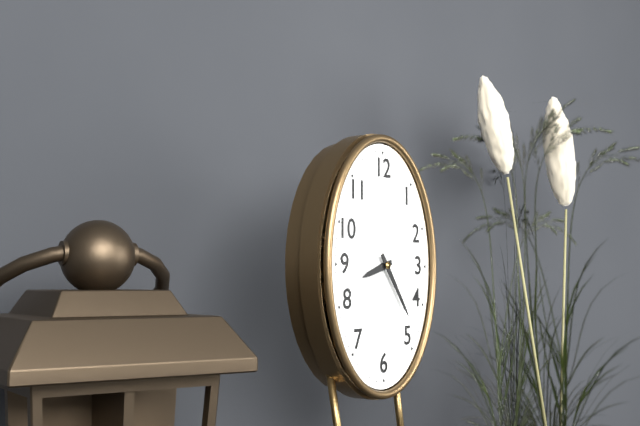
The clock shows 8:24
